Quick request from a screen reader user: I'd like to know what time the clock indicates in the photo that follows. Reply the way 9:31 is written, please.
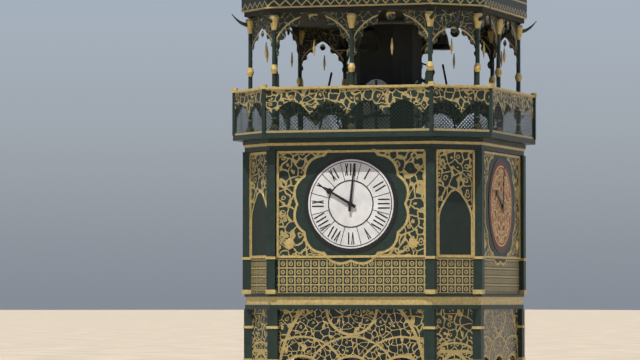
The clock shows 10:01
